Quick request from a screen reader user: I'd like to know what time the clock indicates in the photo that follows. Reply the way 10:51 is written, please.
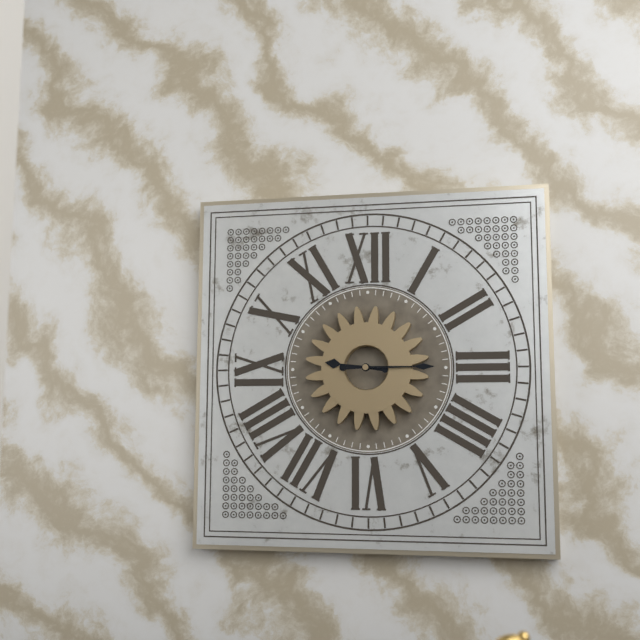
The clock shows 9:15
